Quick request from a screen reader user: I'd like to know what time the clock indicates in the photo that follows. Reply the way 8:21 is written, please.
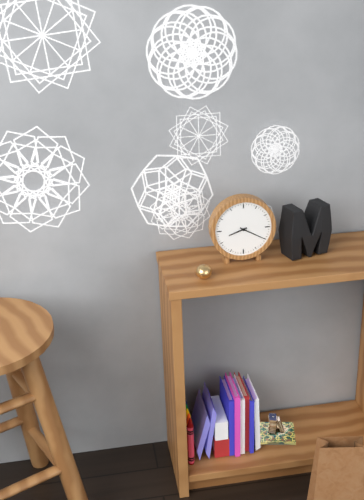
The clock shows 8:20
